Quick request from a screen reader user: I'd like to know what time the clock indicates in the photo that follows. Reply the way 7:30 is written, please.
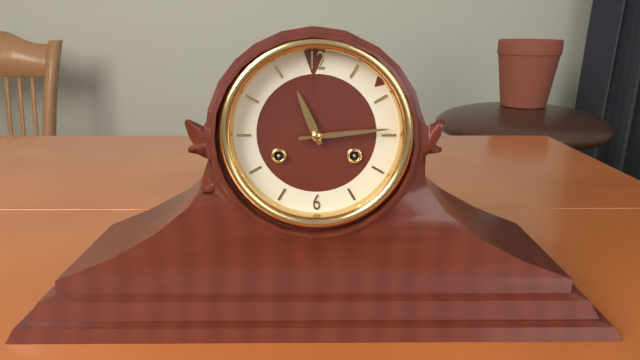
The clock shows 11:14
